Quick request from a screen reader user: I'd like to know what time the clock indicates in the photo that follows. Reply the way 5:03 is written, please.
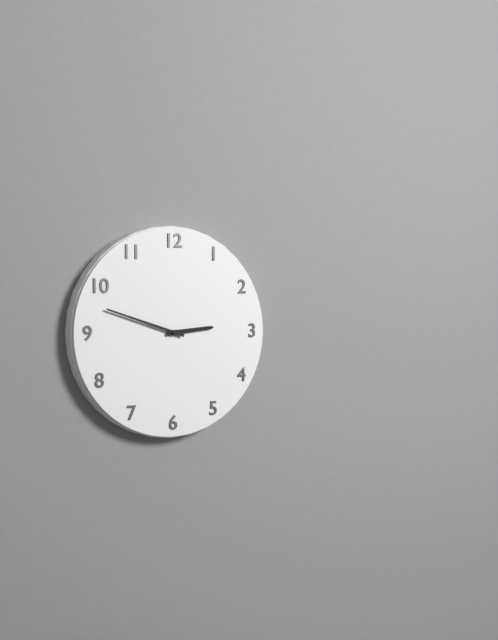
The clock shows 2:48
